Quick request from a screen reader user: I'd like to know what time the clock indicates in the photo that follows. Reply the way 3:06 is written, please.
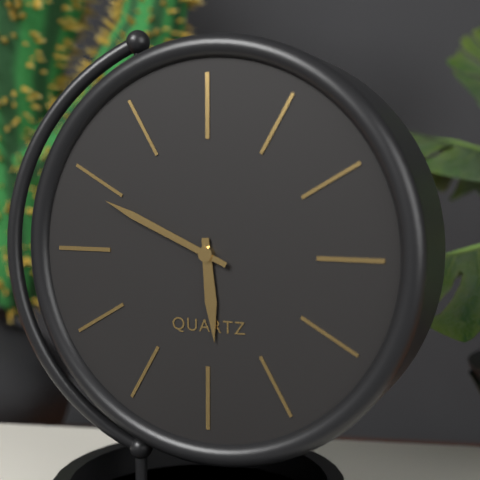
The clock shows 5:49
